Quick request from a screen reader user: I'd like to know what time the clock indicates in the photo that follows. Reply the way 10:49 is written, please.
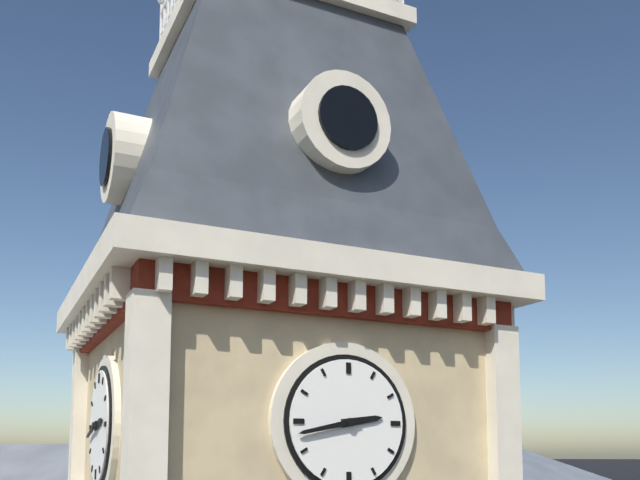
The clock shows 2:43
